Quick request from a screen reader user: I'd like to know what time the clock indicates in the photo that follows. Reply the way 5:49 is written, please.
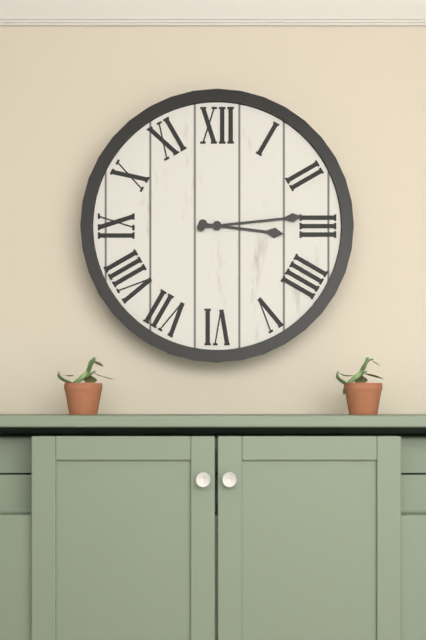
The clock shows 3:14
